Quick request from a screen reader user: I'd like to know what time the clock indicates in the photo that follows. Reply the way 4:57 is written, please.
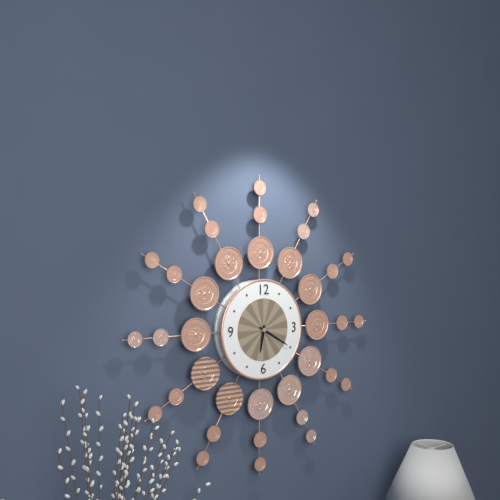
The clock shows 6:20
